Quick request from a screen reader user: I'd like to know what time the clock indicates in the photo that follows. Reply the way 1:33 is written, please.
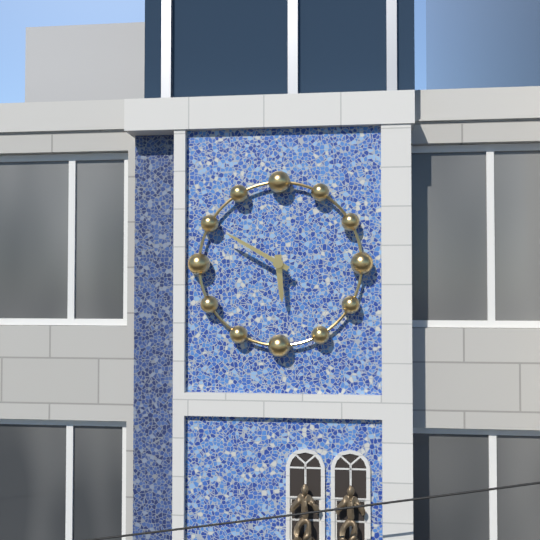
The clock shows 5:50
